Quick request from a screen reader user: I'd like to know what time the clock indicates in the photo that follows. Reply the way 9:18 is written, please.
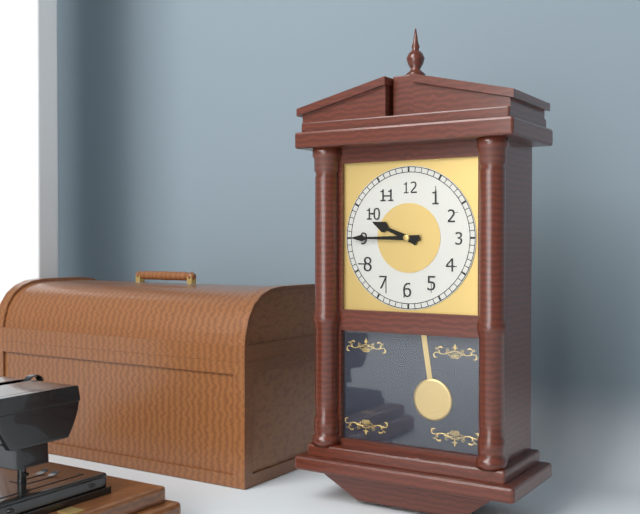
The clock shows 9:45
